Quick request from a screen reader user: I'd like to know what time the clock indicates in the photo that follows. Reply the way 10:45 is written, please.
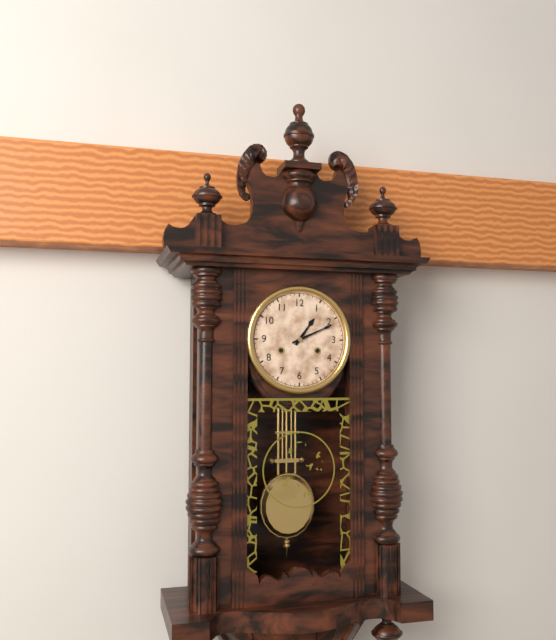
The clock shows 1:11
